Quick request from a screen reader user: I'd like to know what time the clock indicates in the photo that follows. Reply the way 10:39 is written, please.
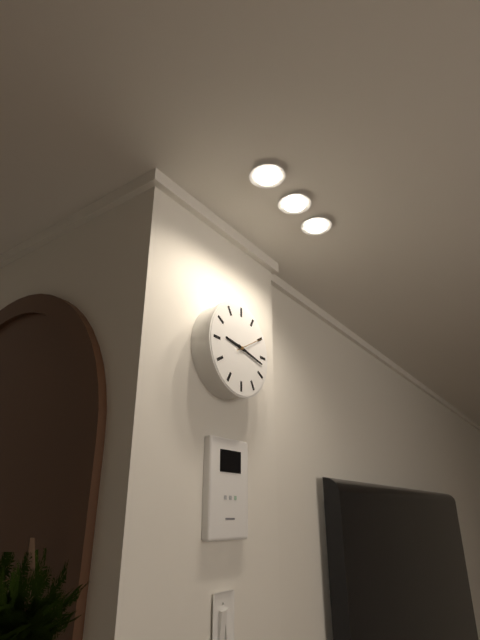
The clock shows 9:17
